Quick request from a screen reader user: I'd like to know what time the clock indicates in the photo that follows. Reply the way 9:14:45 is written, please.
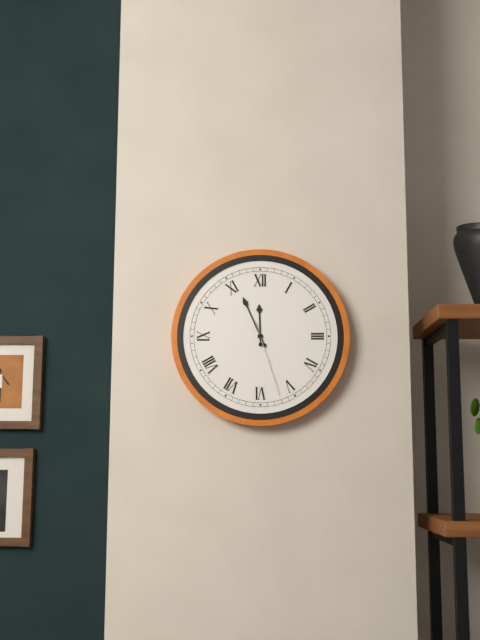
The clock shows 11:56:27
